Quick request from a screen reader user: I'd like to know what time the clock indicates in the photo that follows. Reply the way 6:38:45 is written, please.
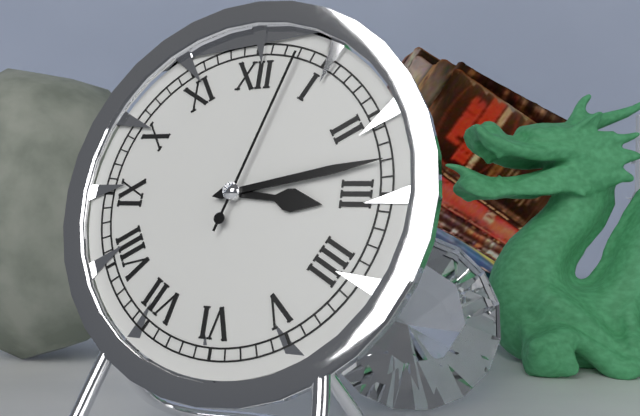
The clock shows 3:13:03
